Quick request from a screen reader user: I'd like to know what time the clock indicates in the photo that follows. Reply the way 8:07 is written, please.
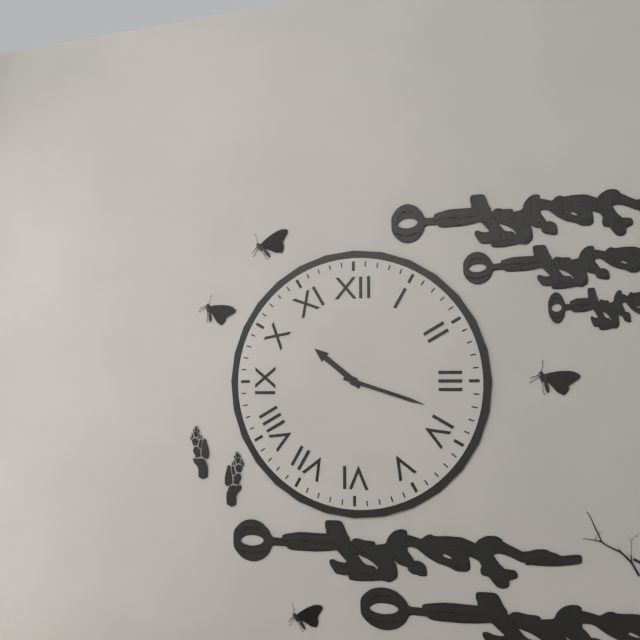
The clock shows 10:18
